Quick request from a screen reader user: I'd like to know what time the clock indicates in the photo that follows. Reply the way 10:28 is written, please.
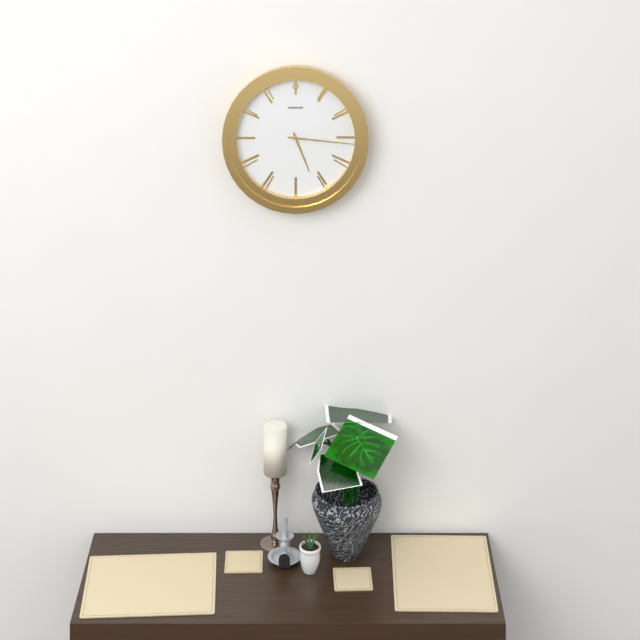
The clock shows 5:16
